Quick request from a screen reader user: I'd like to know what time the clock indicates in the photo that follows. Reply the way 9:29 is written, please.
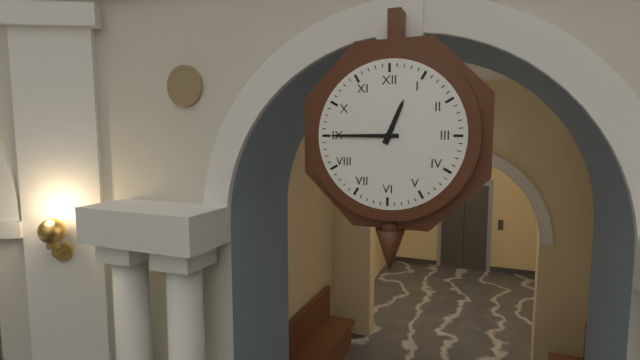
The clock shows 12:45
